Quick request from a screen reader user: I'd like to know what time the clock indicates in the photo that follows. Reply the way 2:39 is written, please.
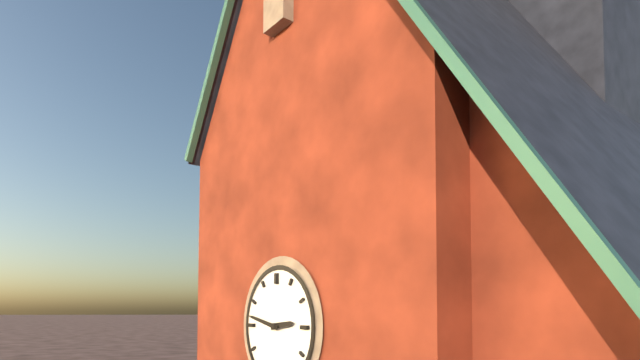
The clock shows 2:47
